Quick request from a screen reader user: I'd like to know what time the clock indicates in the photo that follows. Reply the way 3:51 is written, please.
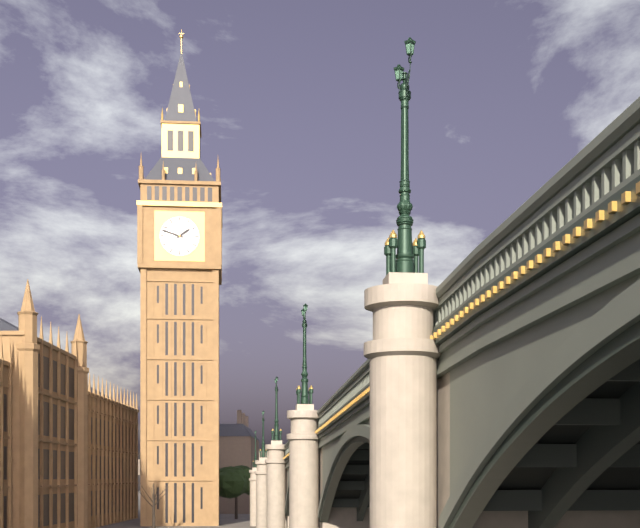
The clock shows 1:48
